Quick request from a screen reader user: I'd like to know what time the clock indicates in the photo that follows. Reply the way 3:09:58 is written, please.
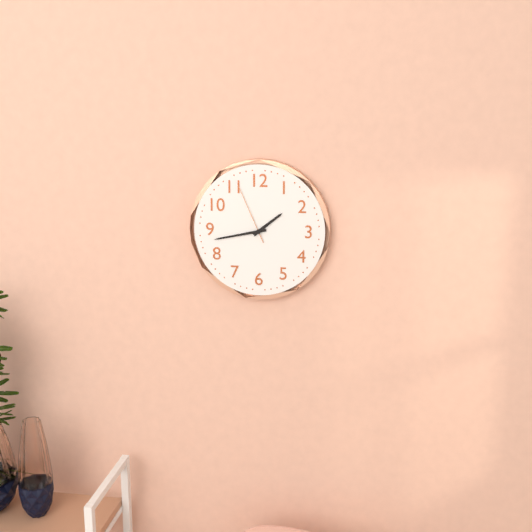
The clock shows 1:43:56
